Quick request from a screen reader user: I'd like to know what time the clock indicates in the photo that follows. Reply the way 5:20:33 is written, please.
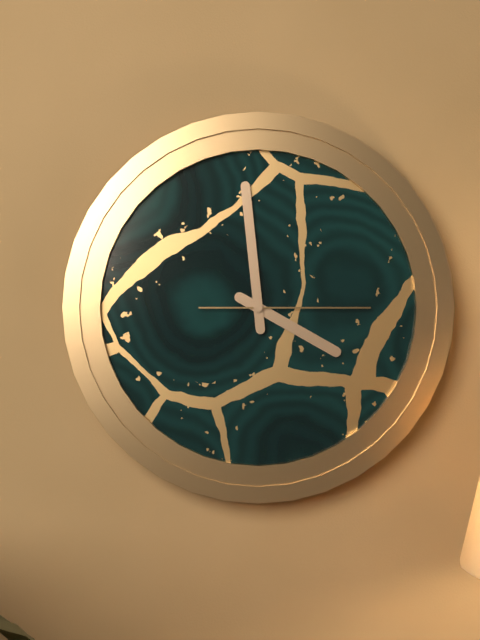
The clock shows 3:59:15
